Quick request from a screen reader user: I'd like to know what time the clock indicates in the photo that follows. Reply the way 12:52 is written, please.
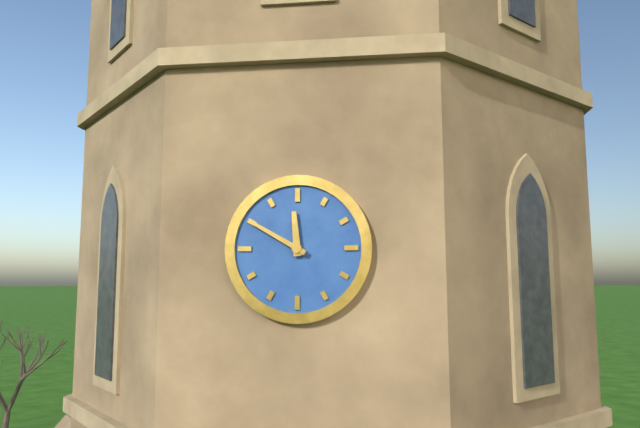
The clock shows 11:50
